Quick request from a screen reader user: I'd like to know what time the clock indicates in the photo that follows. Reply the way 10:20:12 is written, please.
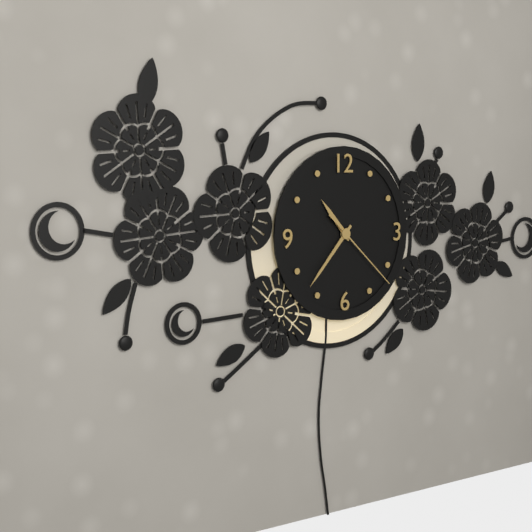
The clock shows 10:37:22
